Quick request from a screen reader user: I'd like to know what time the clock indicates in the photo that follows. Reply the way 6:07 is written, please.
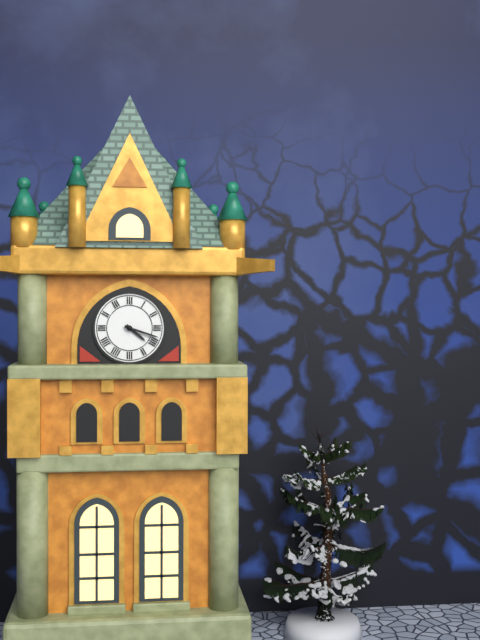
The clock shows 4:18
